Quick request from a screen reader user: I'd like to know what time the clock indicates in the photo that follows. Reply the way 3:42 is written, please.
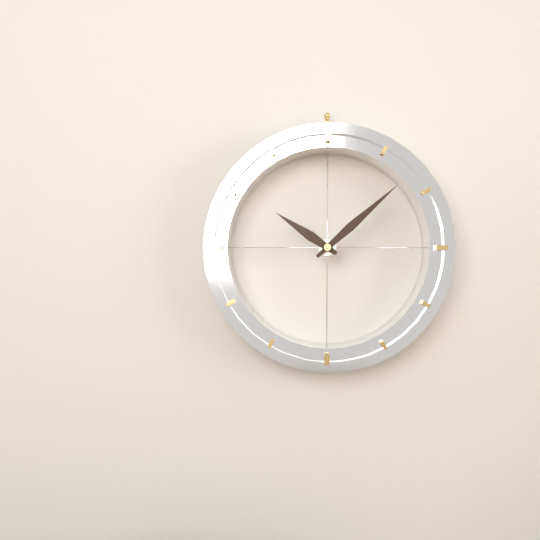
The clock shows 10:08
